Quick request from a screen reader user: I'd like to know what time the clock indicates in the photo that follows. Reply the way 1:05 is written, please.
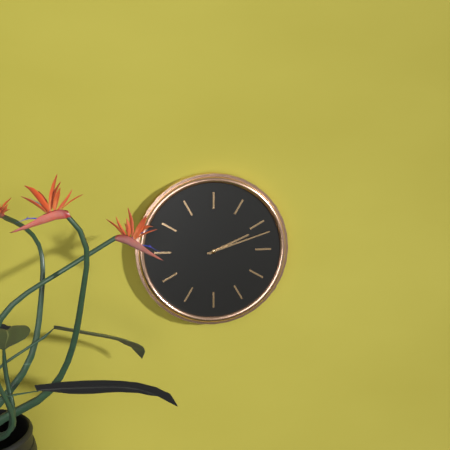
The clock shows 2:12
